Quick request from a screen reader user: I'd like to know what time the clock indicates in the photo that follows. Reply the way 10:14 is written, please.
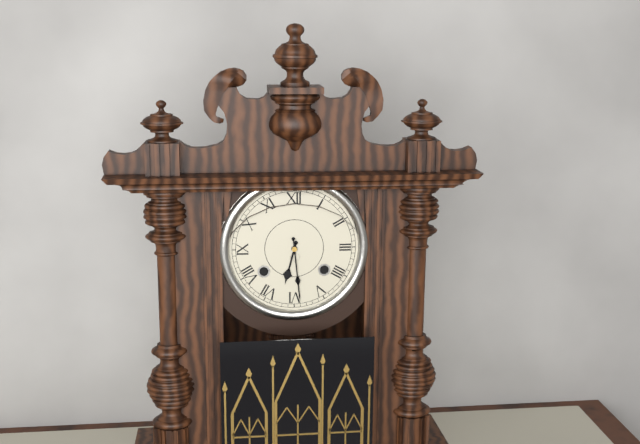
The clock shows 6:29
